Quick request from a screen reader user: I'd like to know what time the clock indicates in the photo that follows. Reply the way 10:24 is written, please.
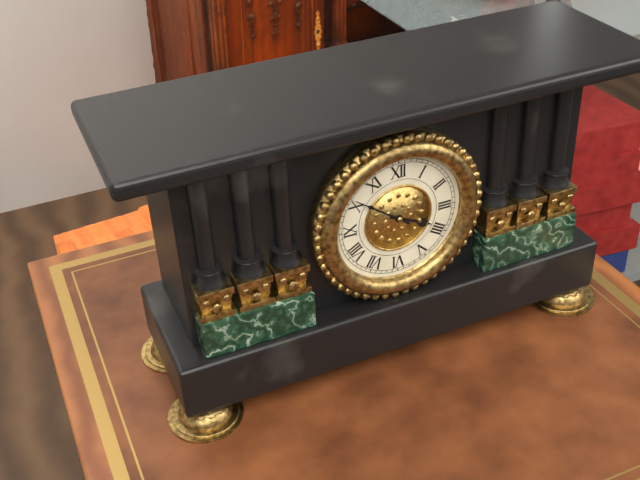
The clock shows 3:51
